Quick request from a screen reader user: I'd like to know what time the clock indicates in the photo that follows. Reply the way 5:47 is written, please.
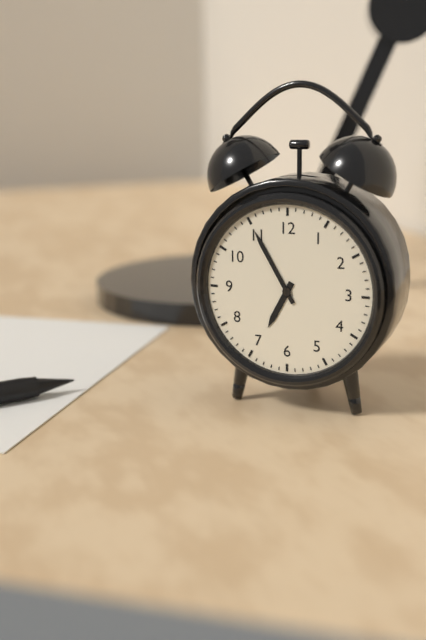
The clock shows 6:55
